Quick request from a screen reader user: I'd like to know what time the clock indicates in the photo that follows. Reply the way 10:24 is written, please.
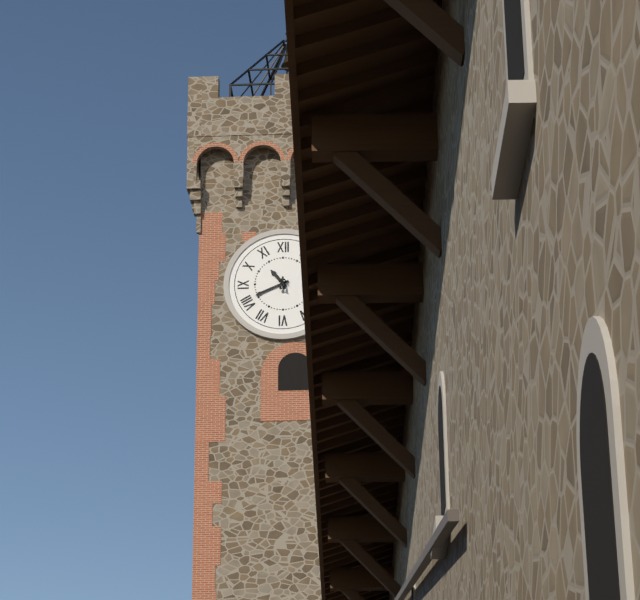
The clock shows 10:41
